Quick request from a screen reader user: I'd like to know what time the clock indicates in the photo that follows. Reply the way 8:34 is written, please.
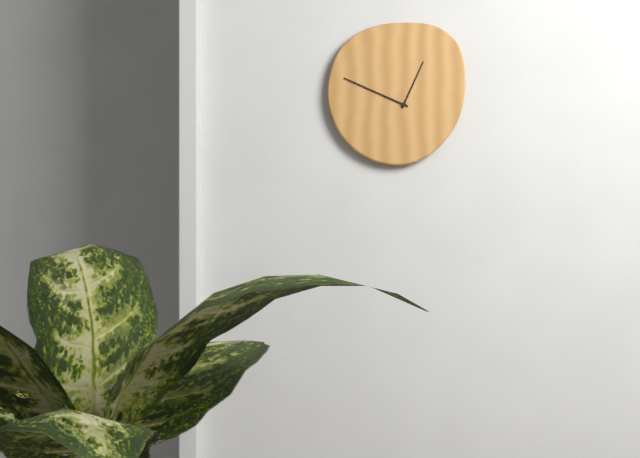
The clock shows 12:49
